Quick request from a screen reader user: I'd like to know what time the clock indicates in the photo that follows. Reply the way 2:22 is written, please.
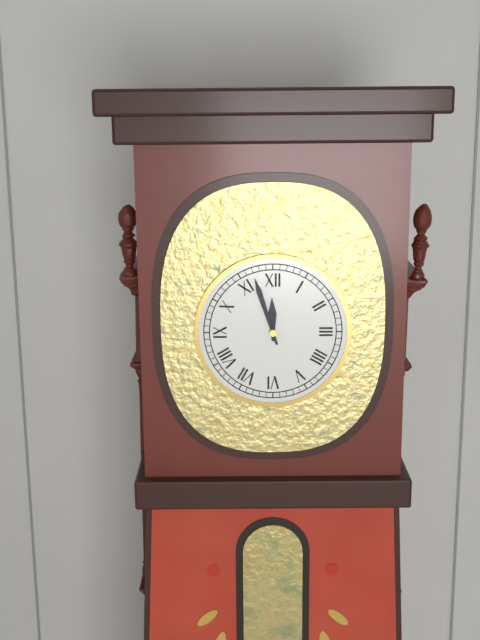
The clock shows 11:57
